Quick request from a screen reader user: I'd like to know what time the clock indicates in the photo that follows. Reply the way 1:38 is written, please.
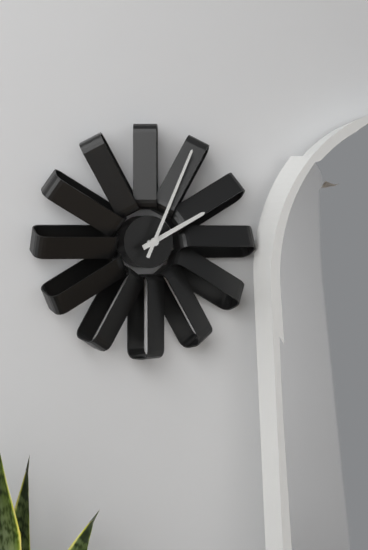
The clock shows 2:04
